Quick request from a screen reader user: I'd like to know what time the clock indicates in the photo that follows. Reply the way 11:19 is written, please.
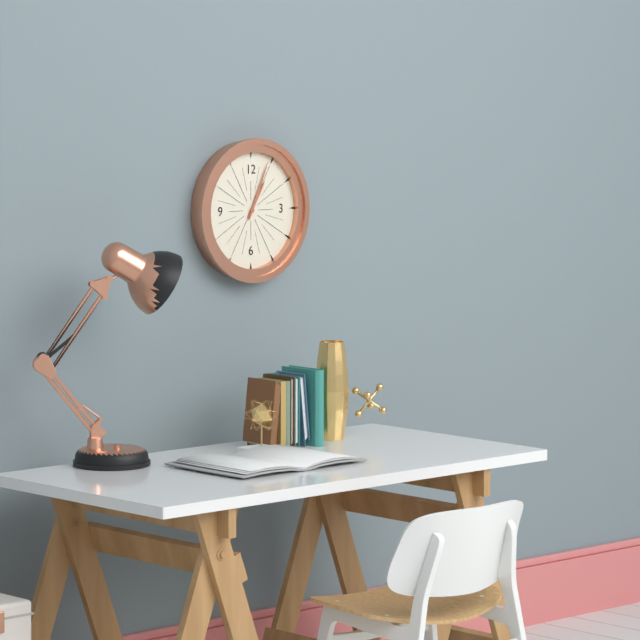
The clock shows 1:04
